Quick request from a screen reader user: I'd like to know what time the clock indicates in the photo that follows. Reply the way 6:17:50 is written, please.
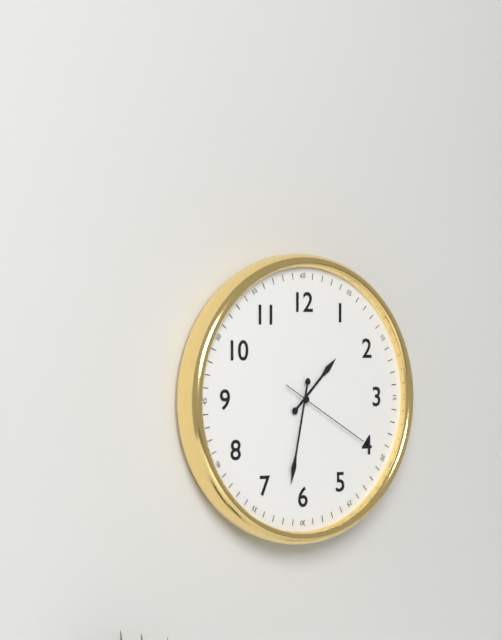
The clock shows 1:32:20
